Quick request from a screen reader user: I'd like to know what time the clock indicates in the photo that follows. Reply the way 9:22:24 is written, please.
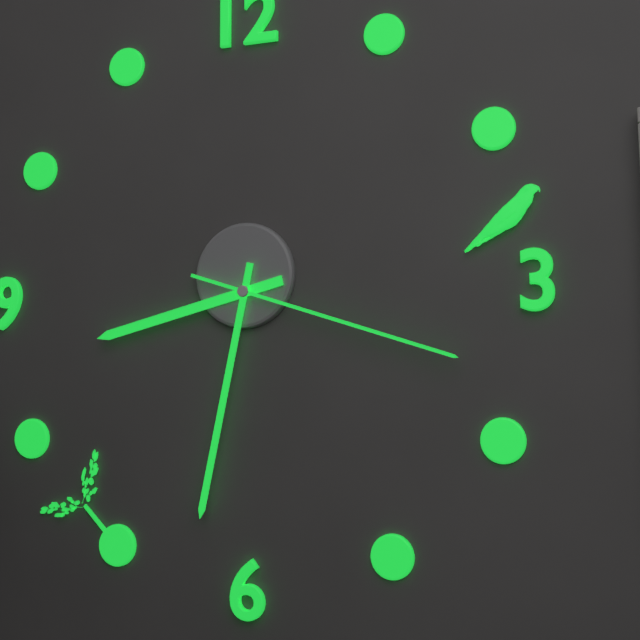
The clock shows 8:32:18
